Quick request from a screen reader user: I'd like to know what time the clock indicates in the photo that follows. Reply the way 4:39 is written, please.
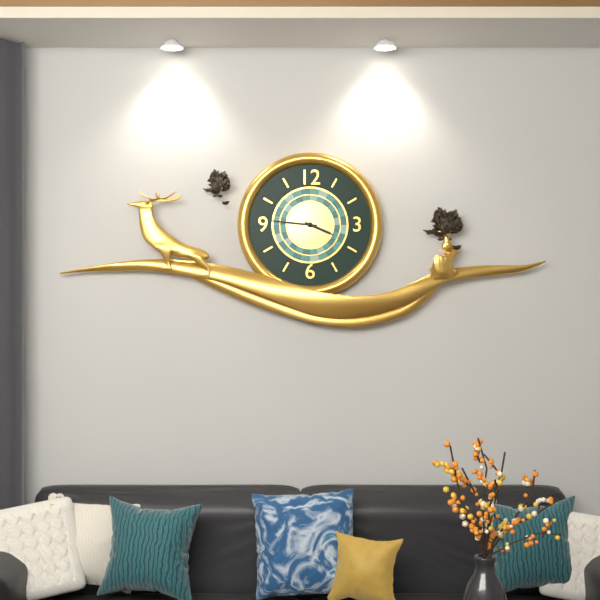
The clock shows 3:46
